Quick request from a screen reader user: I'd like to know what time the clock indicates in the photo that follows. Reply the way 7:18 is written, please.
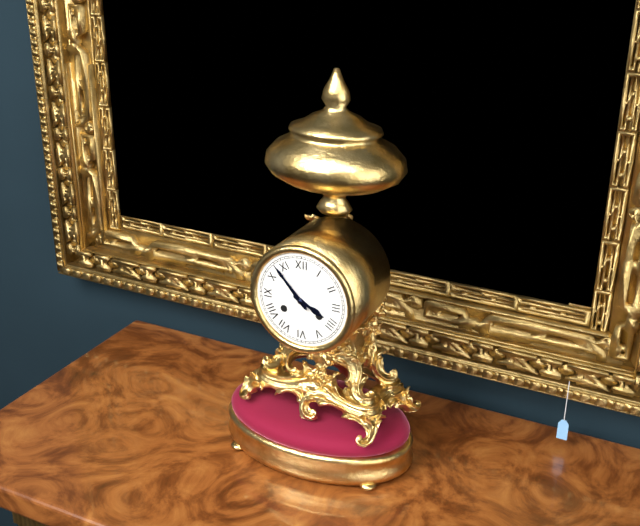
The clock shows 3:53
